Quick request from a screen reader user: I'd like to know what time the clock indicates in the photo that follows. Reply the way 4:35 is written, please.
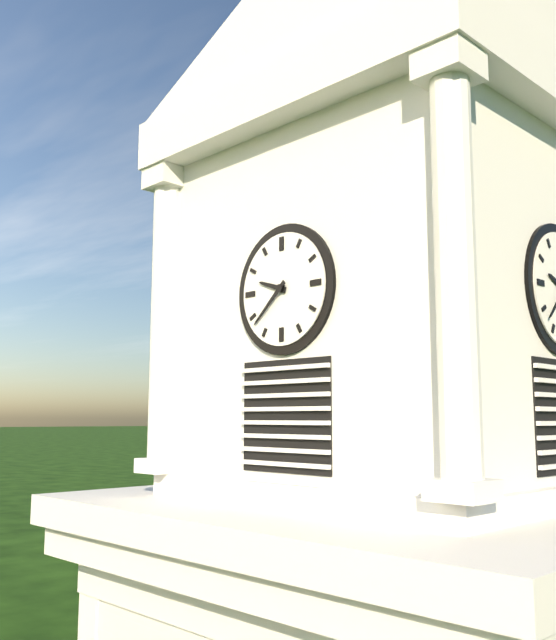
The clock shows 9:38
